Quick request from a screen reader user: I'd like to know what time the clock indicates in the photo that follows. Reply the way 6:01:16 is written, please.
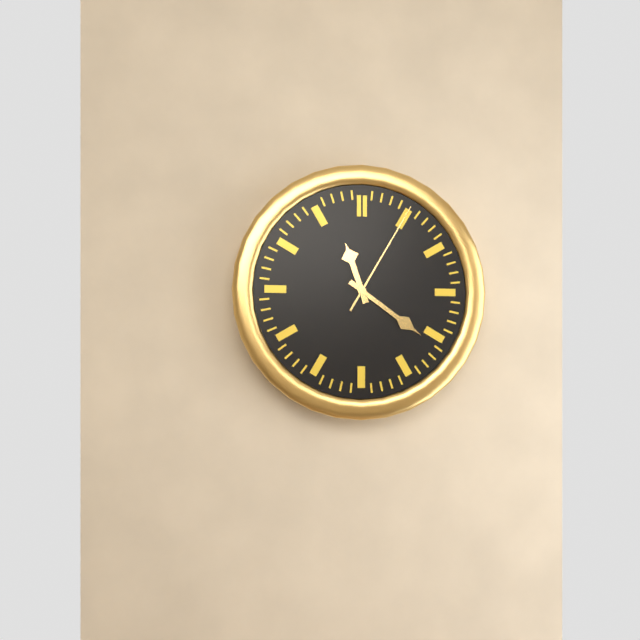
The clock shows 11:21:05
